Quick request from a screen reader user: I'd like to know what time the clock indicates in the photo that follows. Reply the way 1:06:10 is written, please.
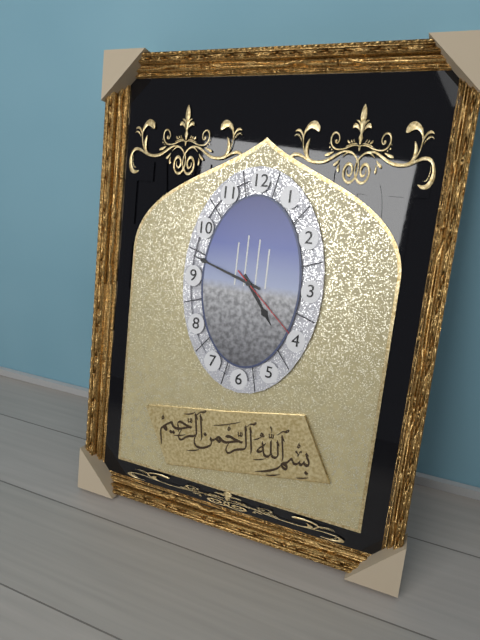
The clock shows 4:48:22
